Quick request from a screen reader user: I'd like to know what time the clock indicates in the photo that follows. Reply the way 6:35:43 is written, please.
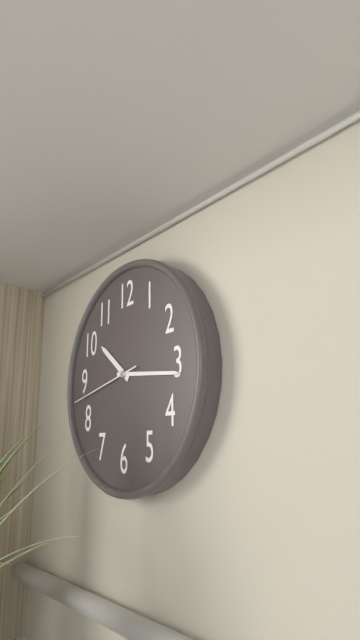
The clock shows 10:16:43
